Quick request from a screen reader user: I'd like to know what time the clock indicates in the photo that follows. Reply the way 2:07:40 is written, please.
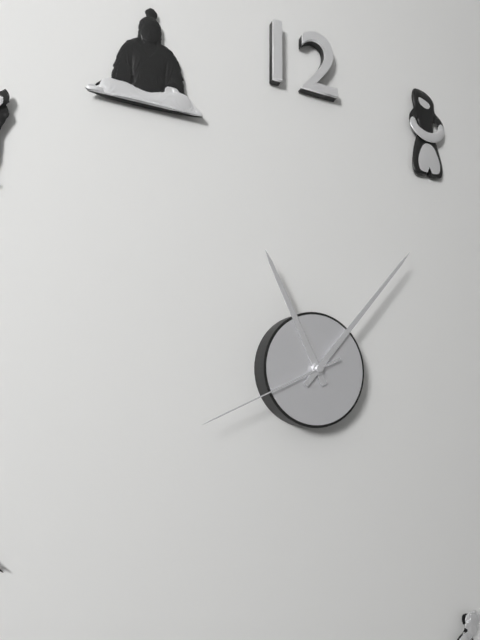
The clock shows 11:07:41
